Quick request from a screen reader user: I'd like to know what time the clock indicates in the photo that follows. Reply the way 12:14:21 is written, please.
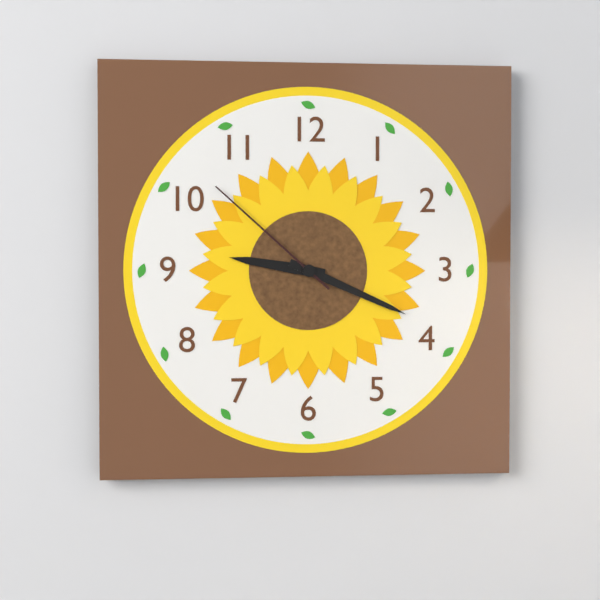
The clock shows 9:19:52
